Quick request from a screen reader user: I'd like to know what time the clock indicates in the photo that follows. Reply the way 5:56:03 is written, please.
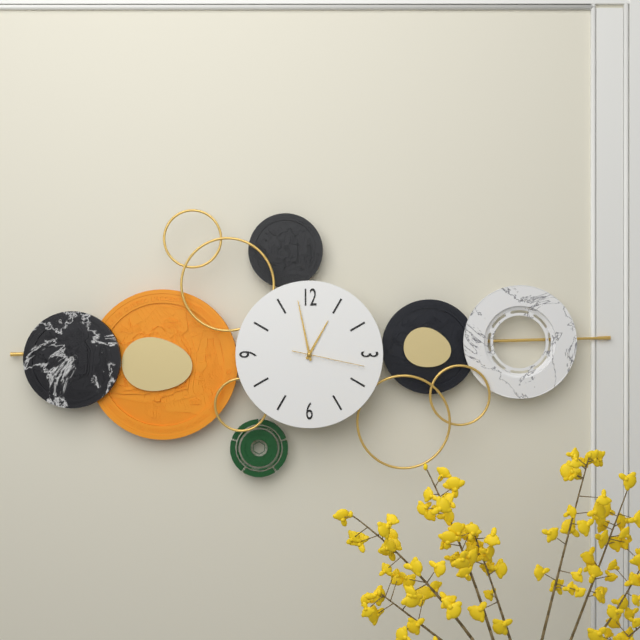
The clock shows 12:58:17
